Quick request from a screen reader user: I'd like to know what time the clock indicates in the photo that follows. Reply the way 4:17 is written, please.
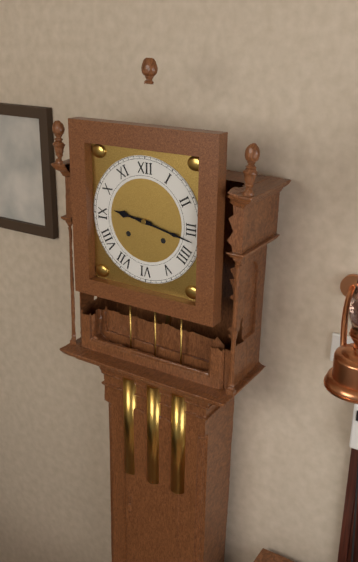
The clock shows 9:17
